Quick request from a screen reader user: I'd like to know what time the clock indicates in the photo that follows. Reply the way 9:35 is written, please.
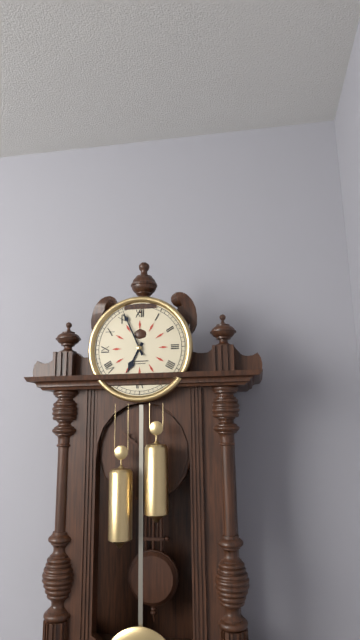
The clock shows 6:56
